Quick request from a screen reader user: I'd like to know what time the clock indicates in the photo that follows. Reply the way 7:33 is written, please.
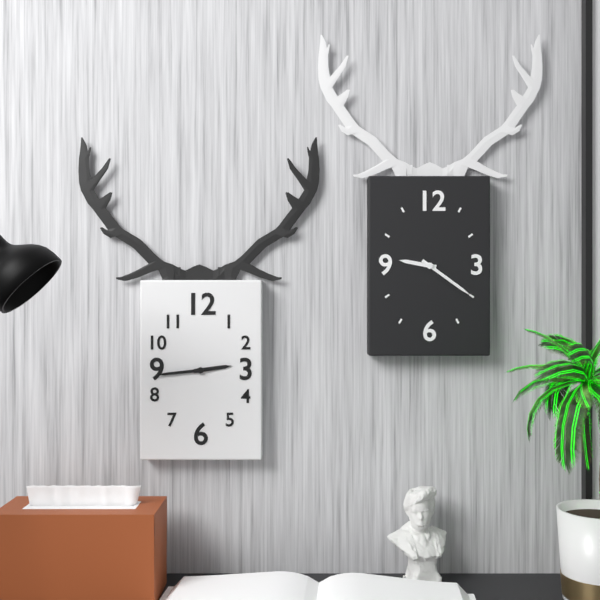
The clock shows 2:44
